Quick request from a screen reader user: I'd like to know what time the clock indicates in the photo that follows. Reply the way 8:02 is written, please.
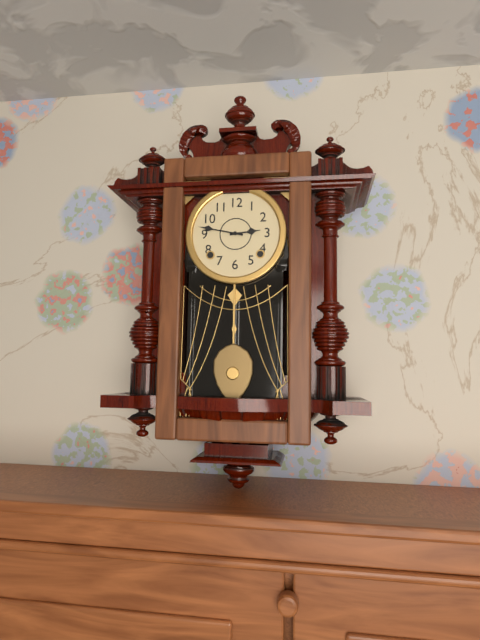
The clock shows 2:47
